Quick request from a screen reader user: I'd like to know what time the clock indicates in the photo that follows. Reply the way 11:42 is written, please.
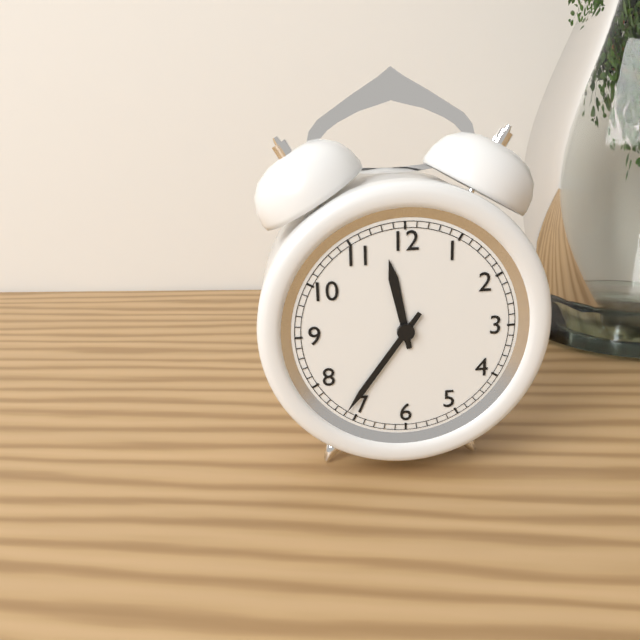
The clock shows 11:36
